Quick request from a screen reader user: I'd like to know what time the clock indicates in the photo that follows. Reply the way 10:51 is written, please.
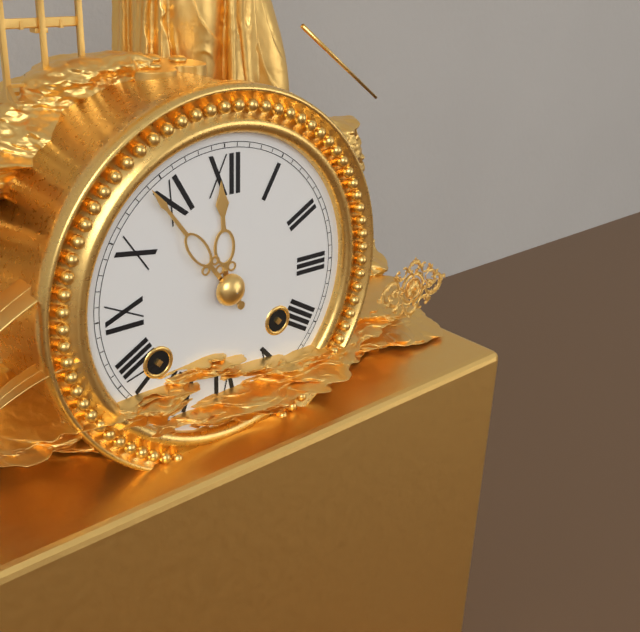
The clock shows 11:54
